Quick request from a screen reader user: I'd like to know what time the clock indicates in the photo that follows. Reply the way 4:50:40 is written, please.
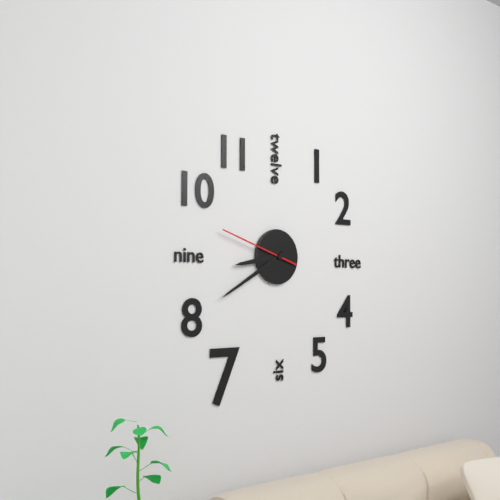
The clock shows 8:40:48
